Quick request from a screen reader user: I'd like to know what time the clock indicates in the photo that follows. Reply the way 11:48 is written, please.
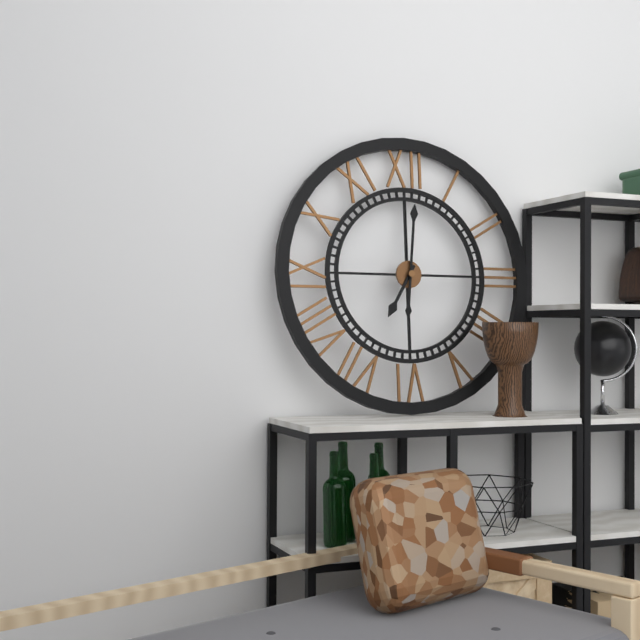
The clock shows 7:01
